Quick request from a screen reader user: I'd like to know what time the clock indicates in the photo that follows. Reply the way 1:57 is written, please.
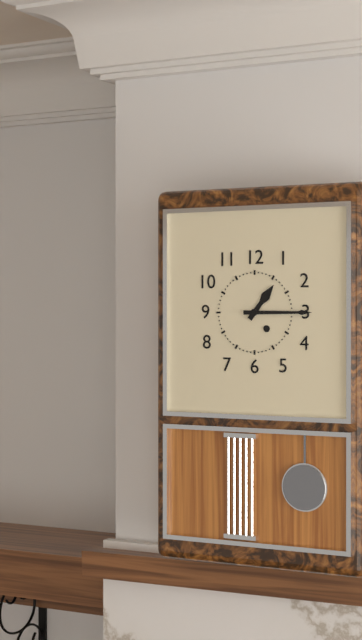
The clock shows 1:15
